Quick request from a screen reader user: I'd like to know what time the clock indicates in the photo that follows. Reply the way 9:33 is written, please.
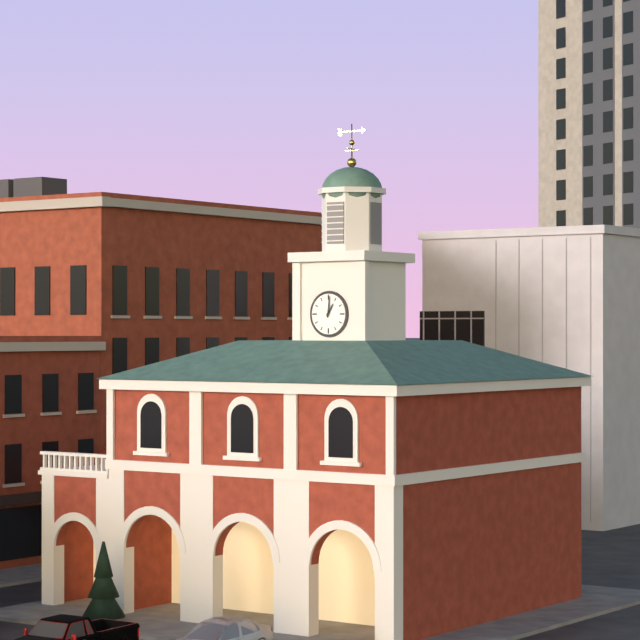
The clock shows 1:01
